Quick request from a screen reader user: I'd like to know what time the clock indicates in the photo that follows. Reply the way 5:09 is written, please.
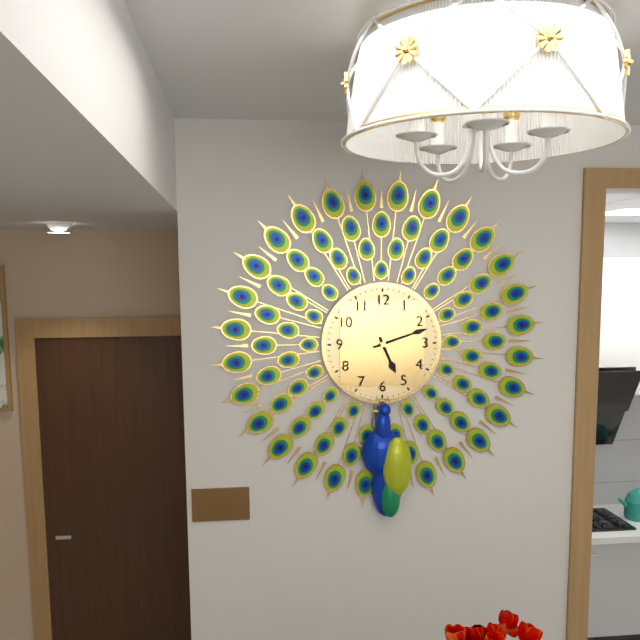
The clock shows 5:12
